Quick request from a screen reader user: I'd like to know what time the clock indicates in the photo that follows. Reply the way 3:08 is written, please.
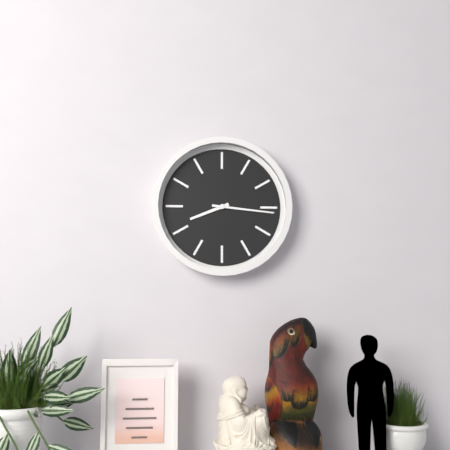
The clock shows 8:16
